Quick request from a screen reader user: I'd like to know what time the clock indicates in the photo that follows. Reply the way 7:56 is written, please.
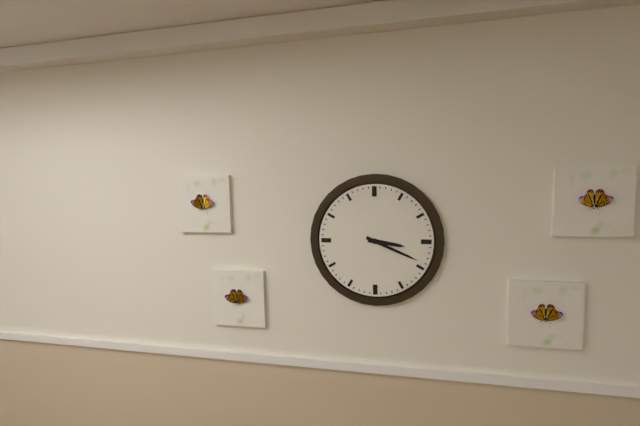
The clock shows 3:19
